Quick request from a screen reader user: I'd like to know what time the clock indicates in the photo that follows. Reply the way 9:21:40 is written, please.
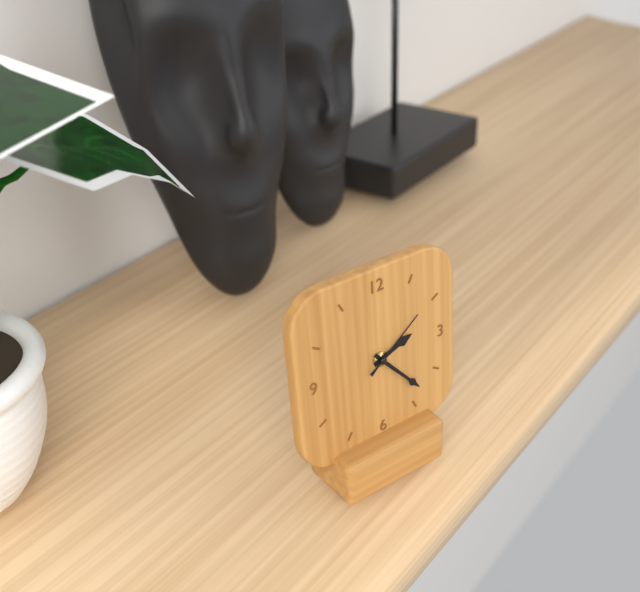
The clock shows 2:23:09
